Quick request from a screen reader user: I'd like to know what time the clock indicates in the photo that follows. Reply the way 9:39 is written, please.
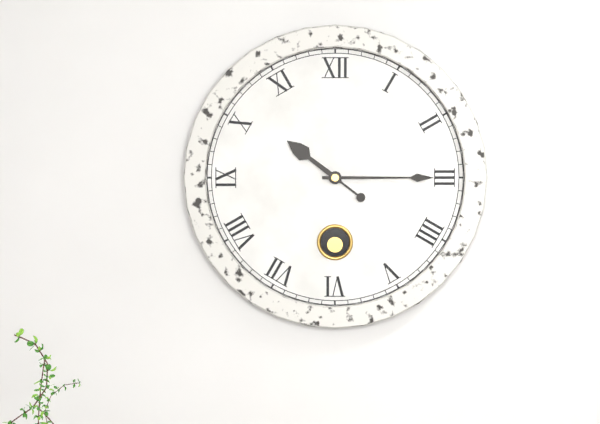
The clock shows 10:15
